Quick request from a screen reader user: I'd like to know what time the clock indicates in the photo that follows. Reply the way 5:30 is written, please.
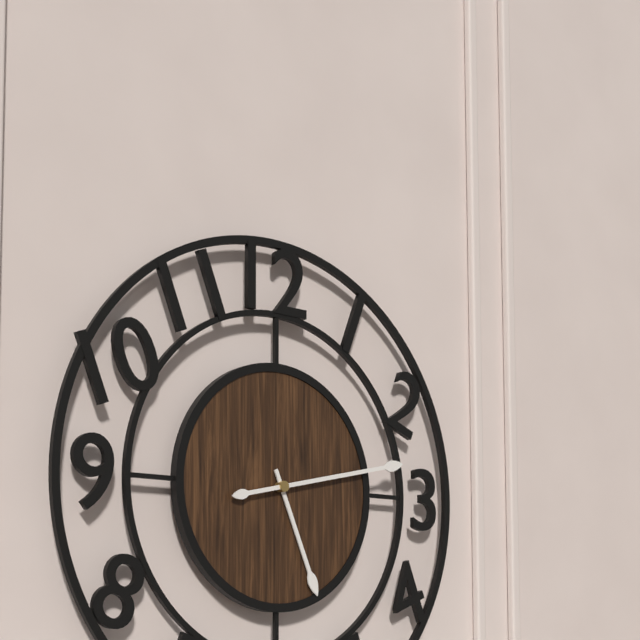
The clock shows 5:13
